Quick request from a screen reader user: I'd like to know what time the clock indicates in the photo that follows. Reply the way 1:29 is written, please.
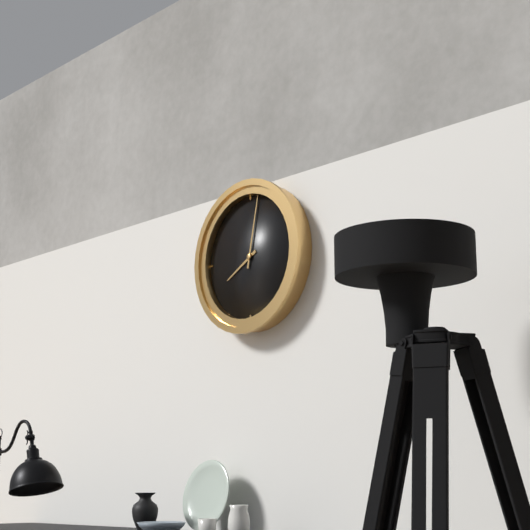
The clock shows 8:02
